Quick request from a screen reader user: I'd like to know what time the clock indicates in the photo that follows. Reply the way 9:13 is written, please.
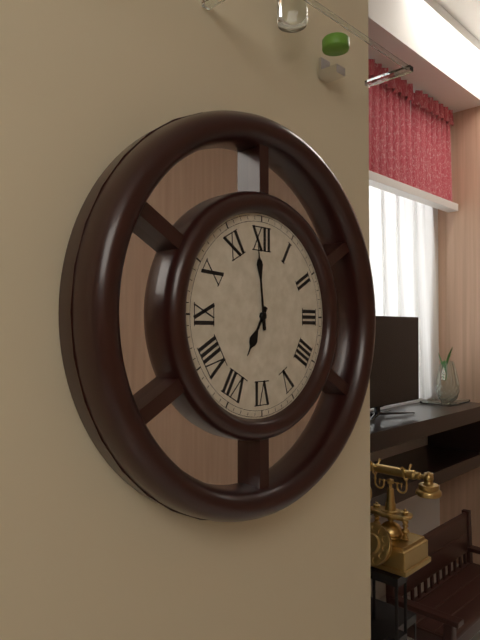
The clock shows 6:59
